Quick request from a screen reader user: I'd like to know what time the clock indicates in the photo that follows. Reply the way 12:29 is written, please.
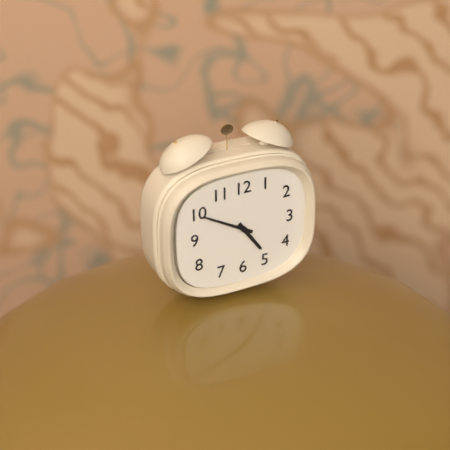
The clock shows 4:50
